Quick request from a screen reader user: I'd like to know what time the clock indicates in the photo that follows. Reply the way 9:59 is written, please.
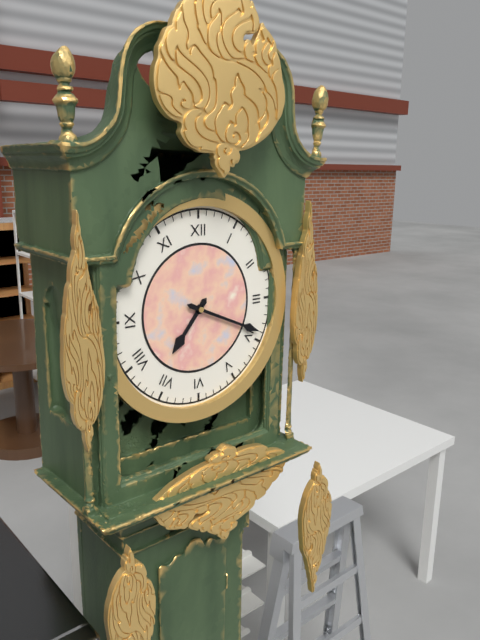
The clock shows 7:19
